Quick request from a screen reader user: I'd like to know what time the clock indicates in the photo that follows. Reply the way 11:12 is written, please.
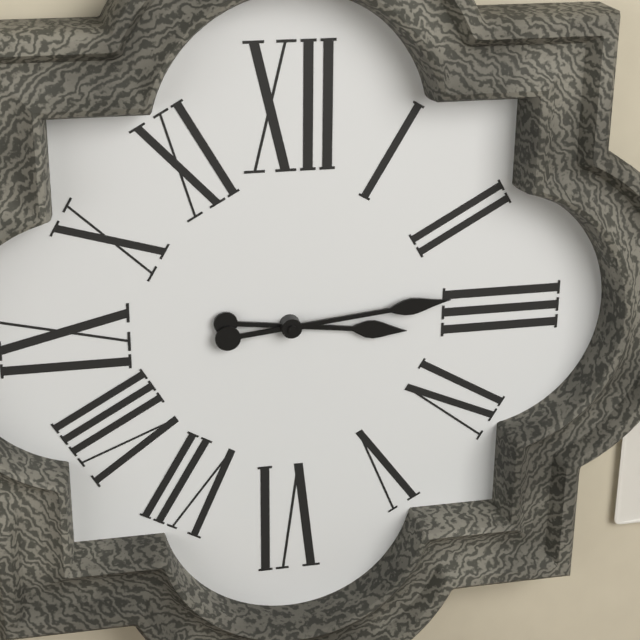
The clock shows 3:14
